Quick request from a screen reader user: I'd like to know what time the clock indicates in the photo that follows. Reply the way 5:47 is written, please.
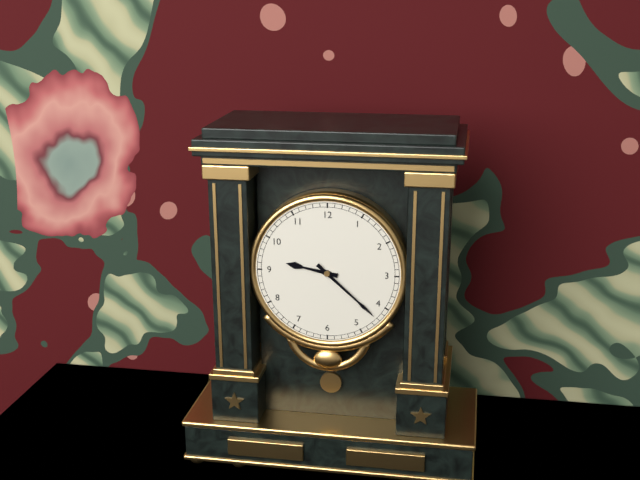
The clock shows 9:22
